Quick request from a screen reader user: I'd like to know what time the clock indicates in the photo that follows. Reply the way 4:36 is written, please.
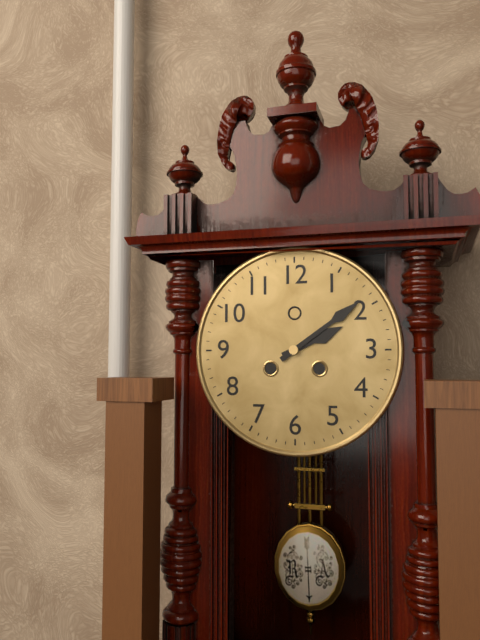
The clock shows 2:09
